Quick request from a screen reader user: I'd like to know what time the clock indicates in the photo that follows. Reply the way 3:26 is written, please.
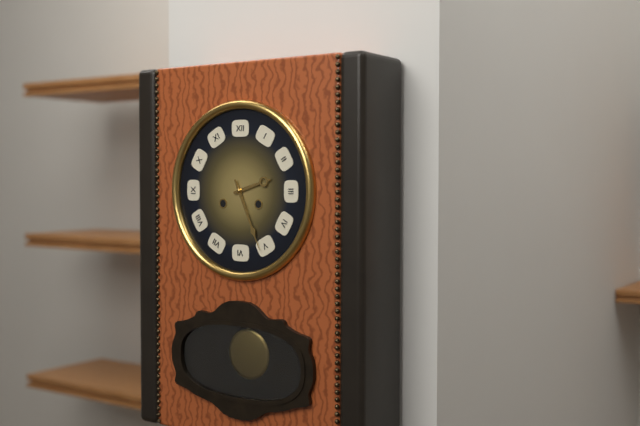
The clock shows 2:26
